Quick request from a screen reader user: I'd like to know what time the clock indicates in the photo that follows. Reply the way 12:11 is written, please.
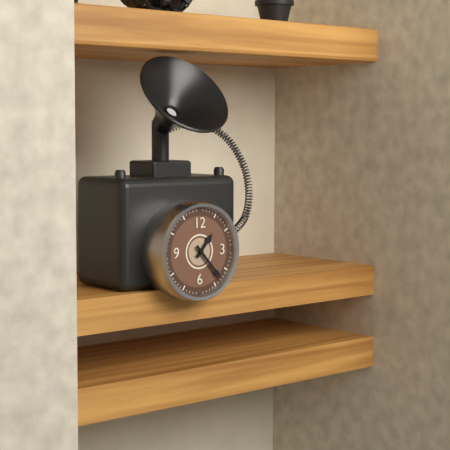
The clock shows 1:23
